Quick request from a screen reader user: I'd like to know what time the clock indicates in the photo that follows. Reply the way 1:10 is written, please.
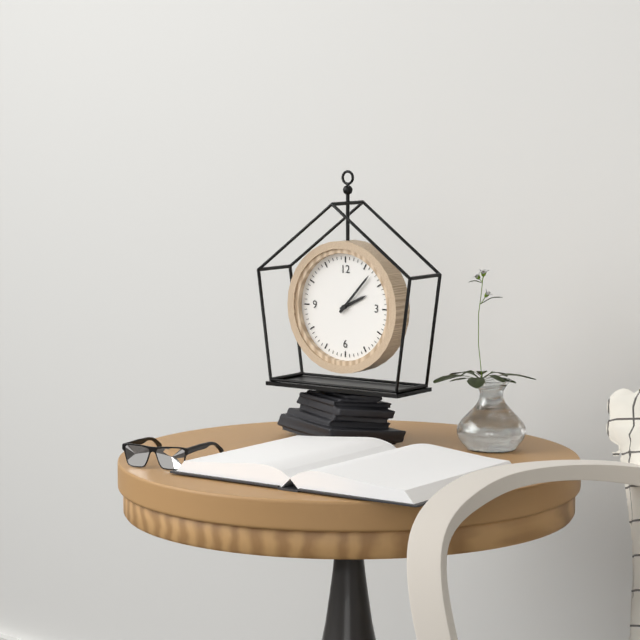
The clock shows 2:07
